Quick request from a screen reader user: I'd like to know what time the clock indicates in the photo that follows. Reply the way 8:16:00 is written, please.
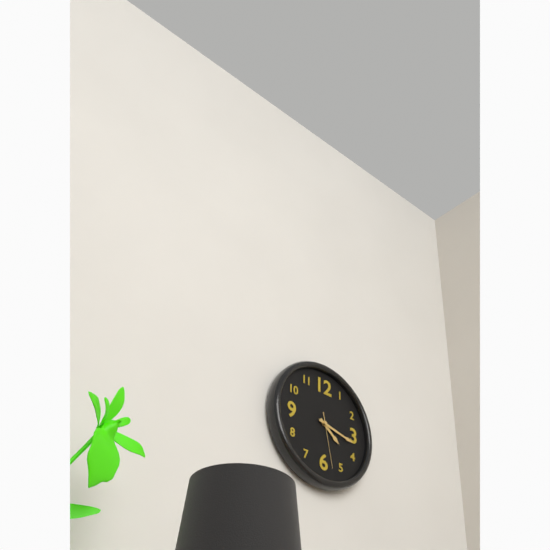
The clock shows 4:17:28
